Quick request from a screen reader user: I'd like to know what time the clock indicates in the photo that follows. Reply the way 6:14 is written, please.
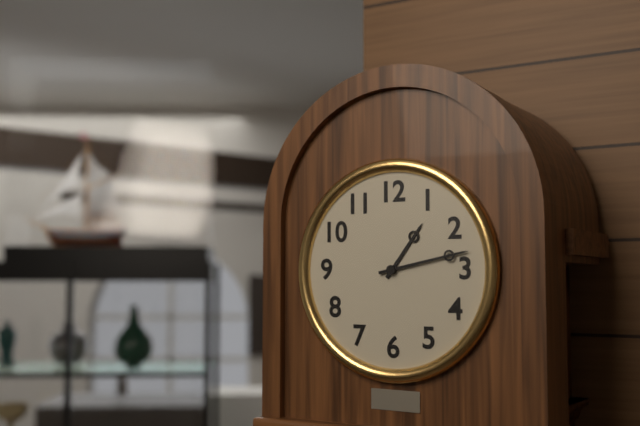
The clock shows 1:13
